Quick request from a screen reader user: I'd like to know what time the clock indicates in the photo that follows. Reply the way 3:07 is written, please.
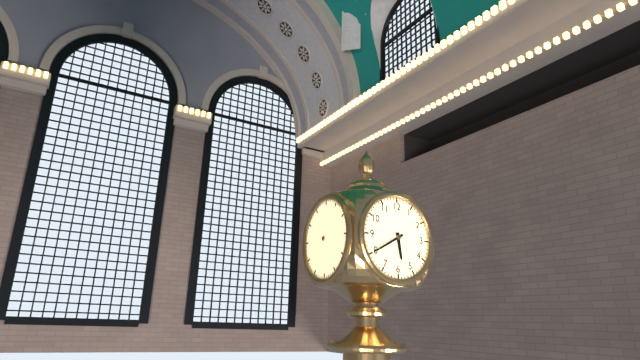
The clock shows 5:40
